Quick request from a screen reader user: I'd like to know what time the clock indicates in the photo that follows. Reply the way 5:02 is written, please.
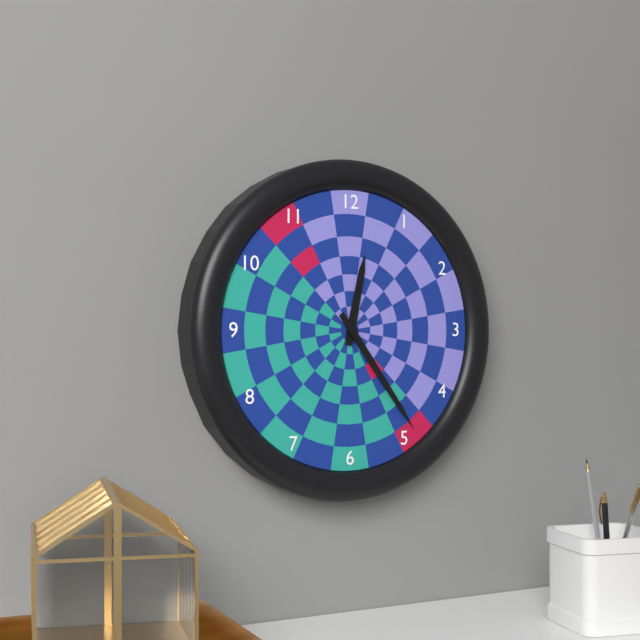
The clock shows 12:24
